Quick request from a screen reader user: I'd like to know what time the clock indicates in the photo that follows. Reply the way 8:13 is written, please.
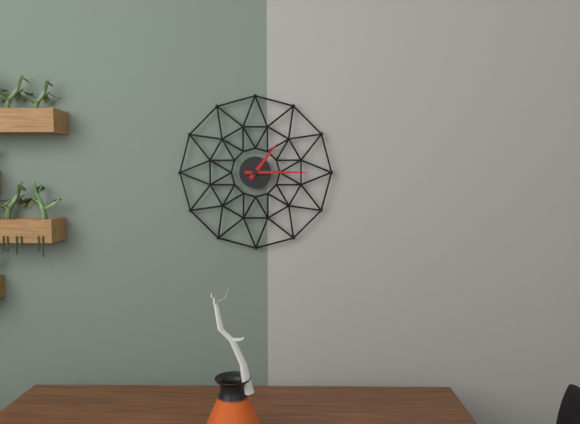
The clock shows 1:15
